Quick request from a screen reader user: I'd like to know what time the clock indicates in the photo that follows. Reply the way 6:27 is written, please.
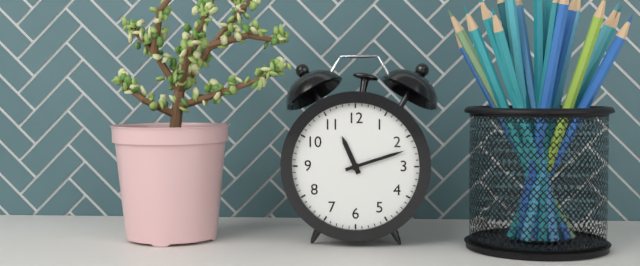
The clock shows 11:12
